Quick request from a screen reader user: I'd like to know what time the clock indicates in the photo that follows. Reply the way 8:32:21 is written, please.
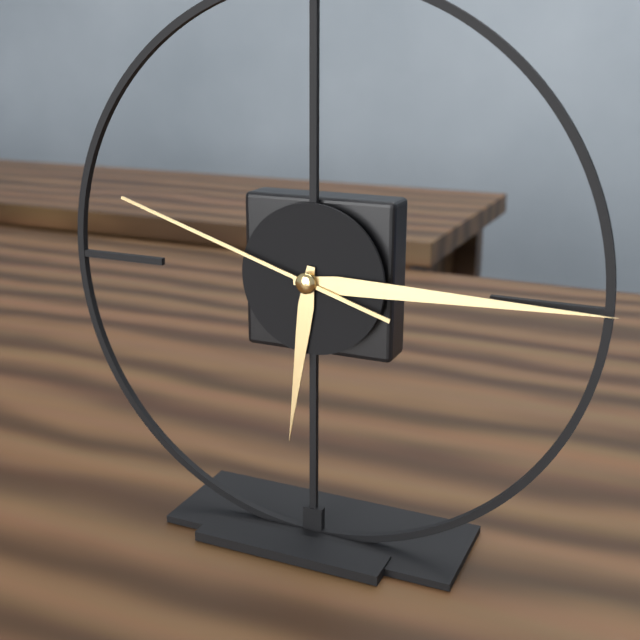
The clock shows 6:15:48
